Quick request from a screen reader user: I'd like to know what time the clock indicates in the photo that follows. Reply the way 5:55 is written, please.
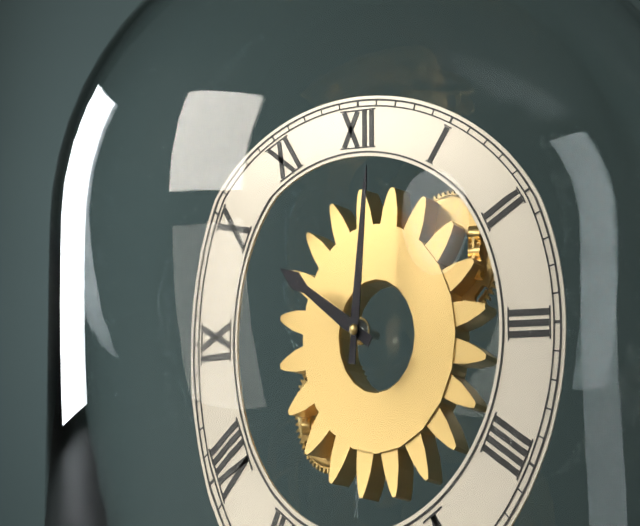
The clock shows 10:01
